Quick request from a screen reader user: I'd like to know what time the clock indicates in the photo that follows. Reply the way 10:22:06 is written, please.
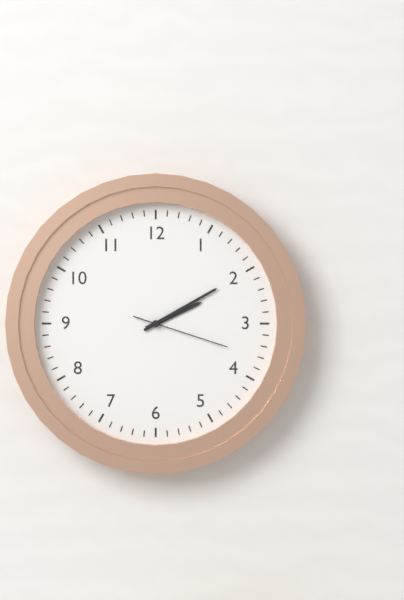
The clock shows 2:10:18
